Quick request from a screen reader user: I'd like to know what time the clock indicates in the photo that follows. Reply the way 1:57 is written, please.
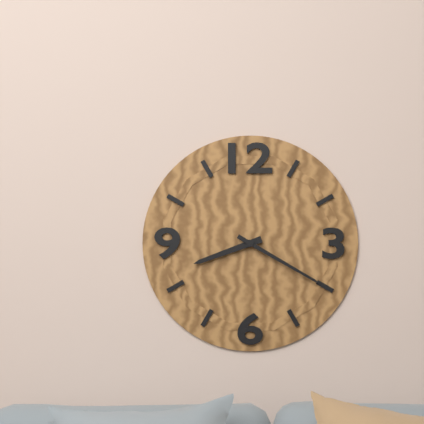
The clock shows 8:20
